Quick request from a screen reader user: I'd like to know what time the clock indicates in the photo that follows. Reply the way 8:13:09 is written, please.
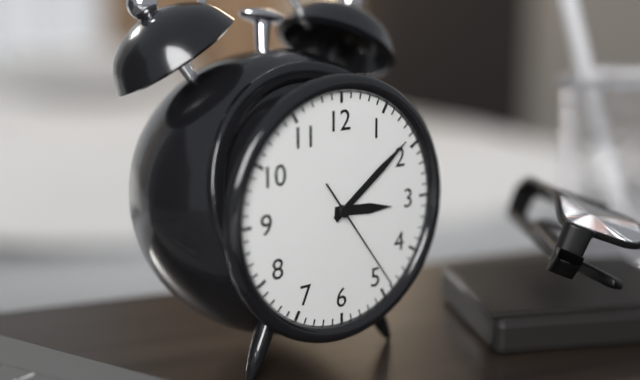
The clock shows 3:09:24
